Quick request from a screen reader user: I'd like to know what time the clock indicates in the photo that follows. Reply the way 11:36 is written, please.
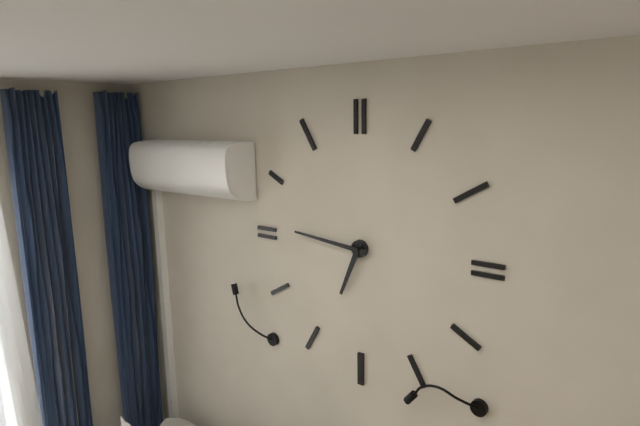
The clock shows 6:46
